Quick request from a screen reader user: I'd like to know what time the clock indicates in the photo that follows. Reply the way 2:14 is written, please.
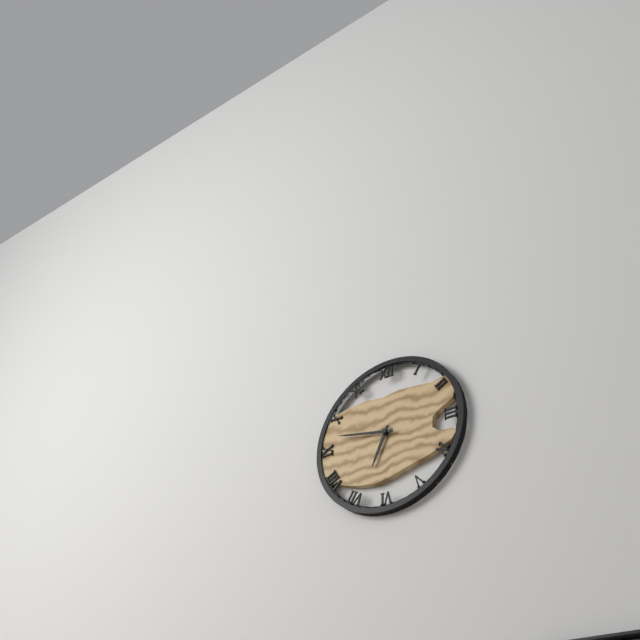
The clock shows 6:47
